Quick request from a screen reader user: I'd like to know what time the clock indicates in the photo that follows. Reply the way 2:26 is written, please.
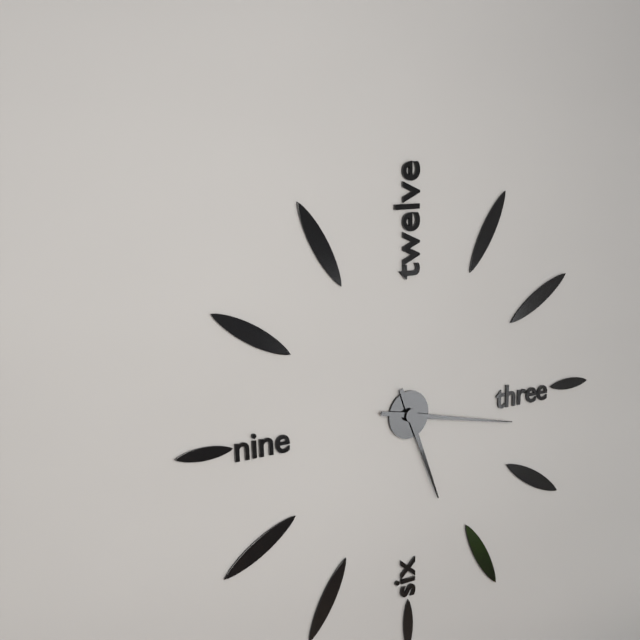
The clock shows 5:17
